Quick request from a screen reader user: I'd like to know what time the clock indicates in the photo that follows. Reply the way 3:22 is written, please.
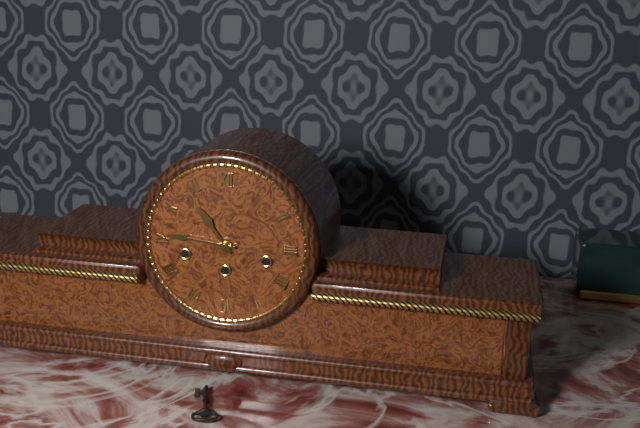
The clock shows 10:46
